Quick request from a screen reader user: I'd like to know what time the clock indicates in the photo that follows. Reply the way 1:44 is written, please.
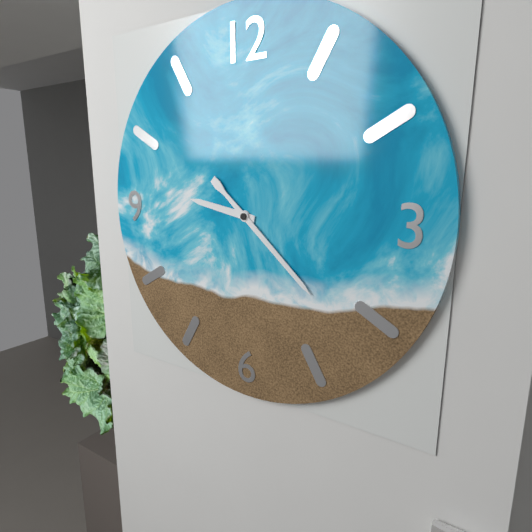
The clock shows 9:22
